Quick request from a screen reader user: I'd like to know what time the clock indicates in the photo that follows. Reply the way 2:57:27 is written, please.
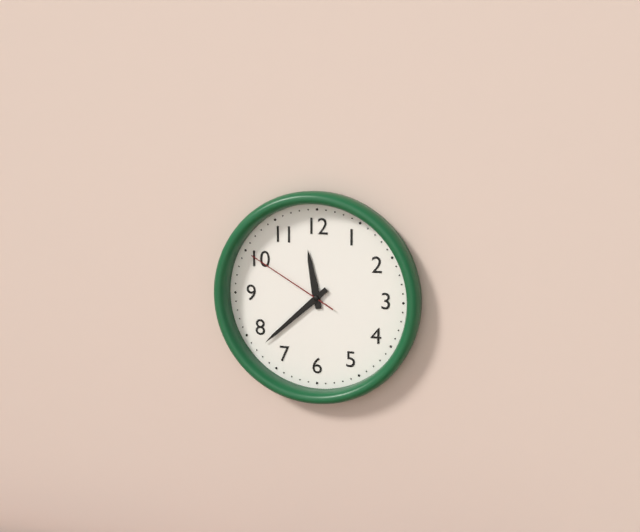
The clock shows 11:38:50
